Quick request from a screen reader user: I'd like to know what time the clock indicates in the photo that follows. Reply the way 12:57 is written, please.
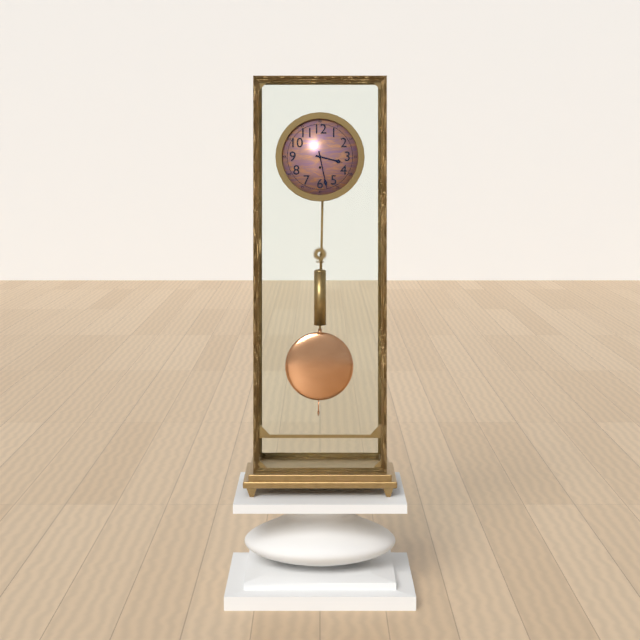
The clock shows 3:28
